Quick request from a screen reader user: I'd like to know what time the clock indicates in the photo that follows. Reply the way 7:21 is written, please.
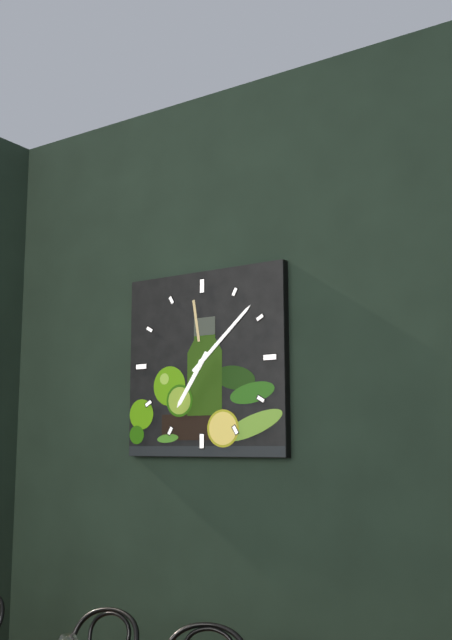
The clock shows 7:08
